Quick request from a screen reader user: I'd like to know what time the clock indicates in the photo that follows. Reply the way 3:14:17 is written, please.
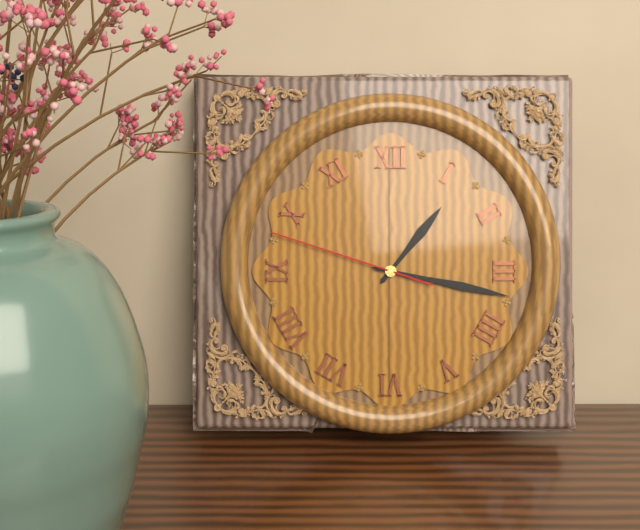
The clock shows 1:17:48
